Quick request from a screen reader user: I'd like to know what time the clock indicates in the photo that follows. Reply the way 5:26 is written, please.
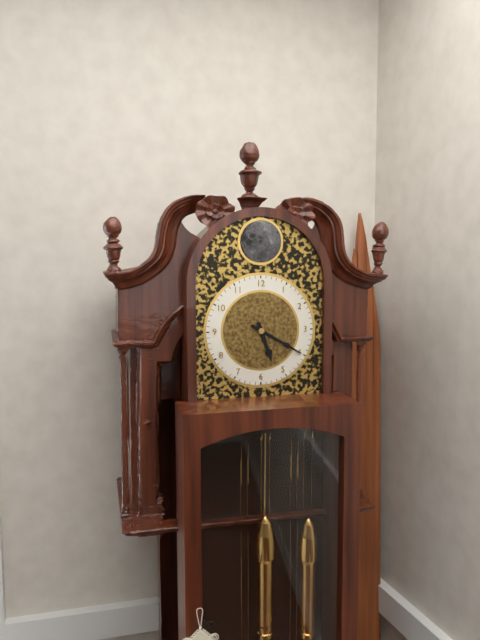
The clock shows 5:20
